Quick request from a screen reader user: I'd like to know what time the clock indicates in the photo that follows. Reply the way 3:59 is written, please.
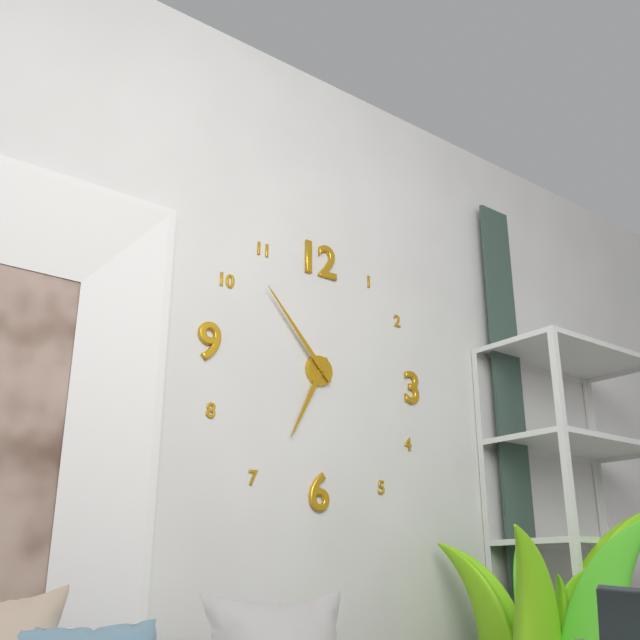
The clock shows 6:53
